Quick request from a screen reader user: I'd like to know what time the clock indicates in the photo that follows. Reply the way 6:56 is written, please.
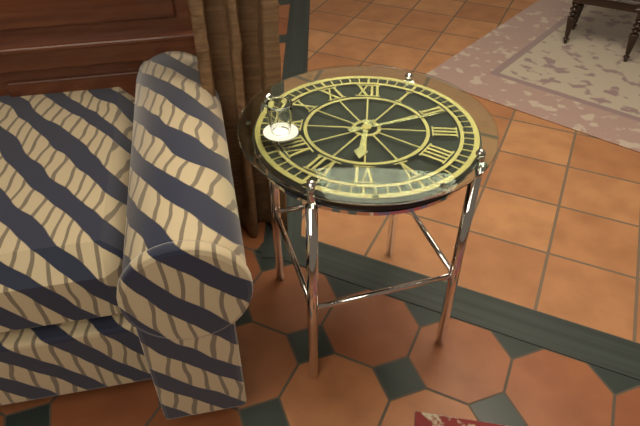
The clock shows 6:11
